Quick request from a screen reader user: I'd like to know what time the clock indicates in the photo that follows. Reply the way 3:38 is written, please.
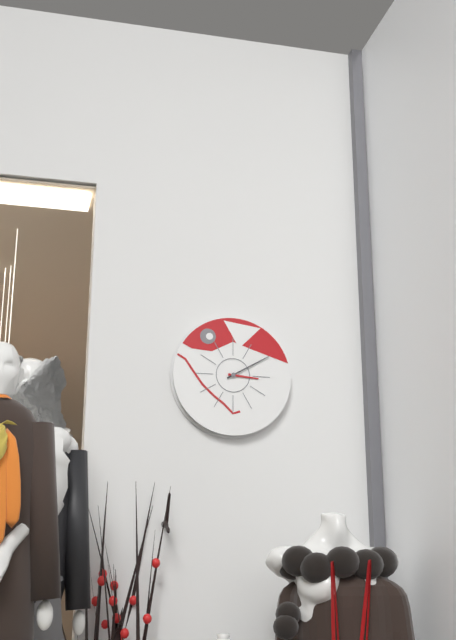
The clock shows 3:10
